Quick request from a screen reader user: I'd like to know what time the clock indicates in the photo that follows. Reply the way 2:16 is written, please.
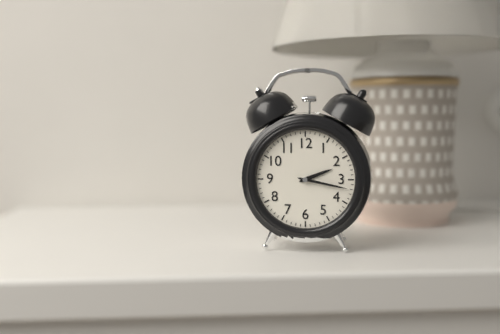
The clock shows 2:17
